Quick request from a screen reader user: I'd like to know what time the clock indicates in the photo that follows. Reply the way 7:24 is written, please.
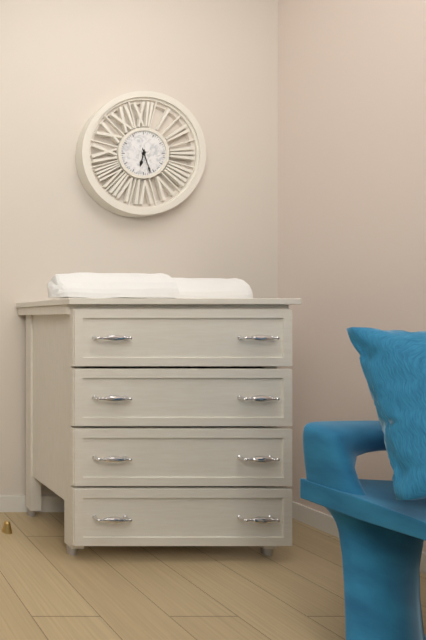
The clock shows 6:27
